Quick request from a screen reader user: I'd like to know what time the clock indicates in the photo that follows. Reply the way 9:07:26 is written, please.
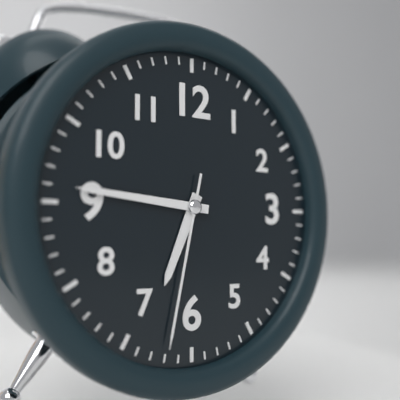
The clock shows 6:46:32
